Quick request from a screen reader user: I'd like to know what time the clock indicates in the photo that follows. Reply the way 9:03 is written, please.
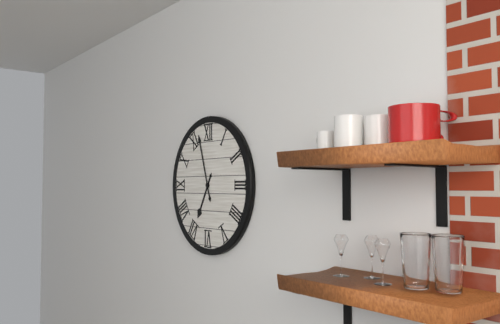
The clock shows 6:57
